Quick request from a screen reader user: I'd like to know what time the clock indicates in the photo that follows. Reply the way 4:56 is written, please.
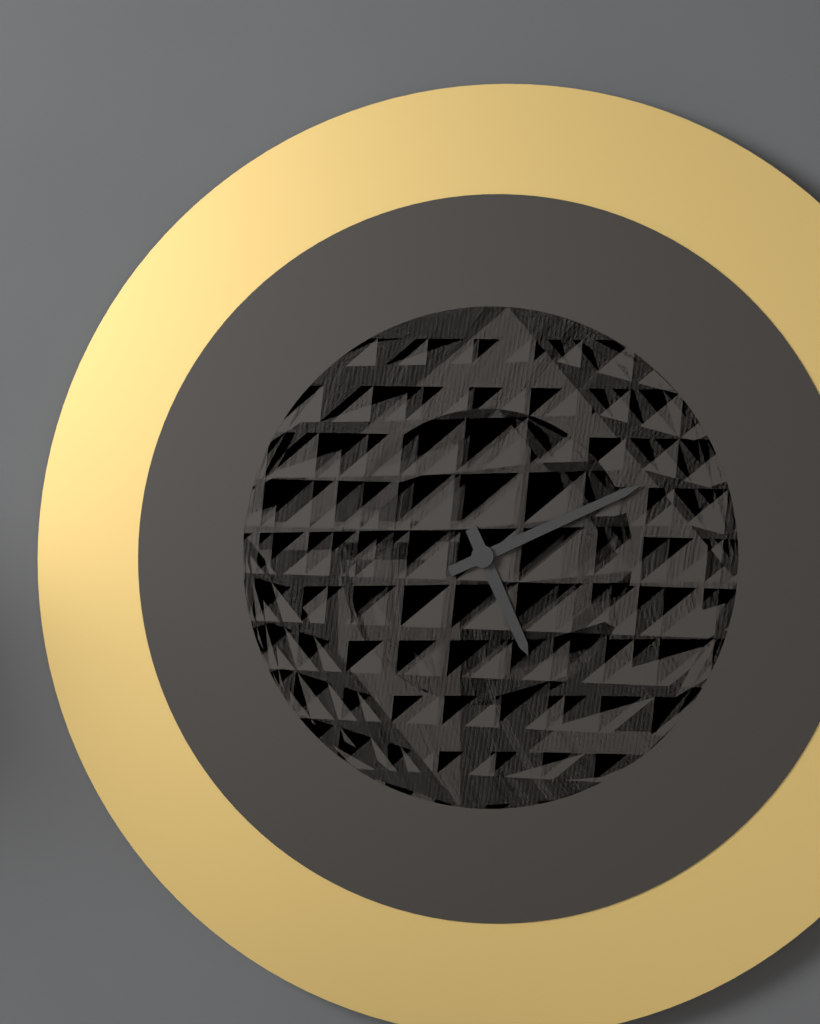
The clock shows 5:11
